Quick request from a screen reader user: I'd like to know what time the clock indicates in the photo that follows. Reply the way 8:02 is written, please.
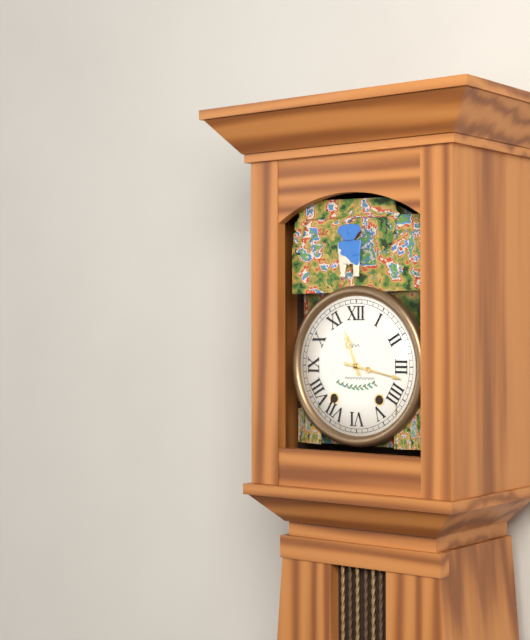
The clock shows 11:17
